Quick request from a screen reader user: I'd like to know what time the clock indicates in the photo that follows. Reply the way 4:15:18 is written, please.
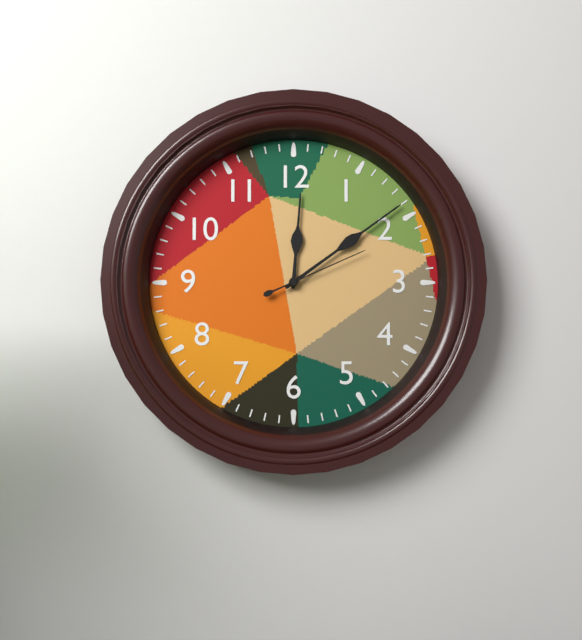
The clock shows 12:09:11
